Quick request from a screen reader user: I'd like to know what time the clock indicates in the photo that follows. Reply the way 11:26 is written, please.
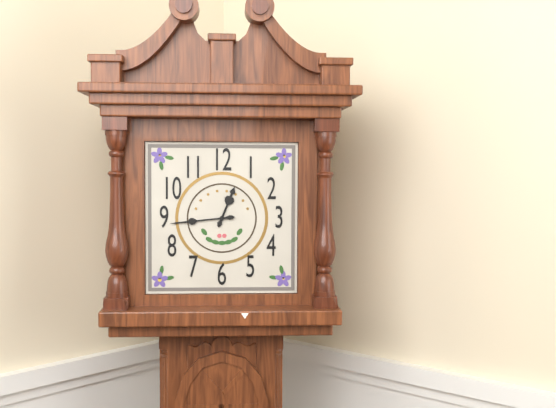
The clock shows 12:44
